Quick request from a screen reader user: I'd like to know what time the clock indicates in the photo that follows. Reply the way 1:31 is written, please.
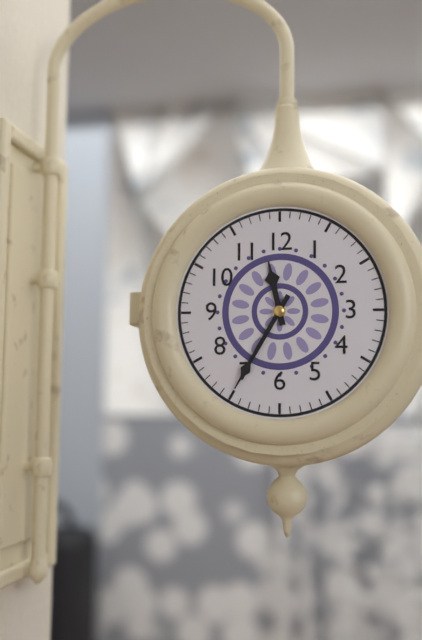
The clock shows 11:35
